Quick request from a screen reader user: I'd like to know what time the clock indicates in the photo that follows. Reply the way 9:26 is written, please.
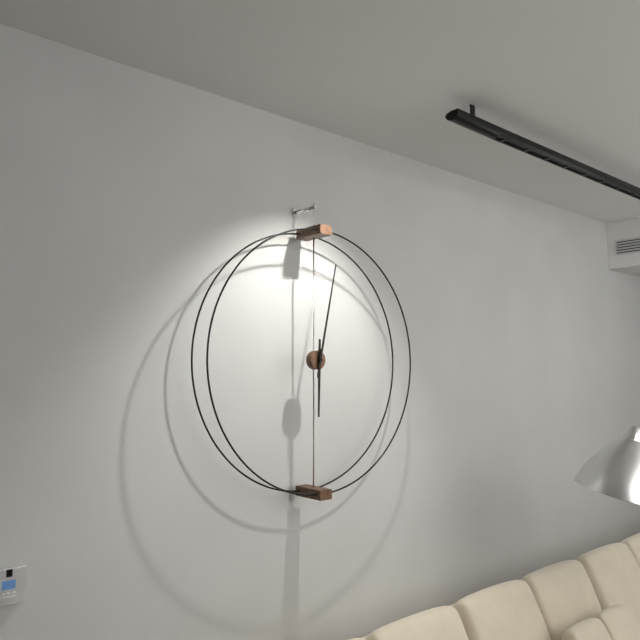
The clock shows 6:02
